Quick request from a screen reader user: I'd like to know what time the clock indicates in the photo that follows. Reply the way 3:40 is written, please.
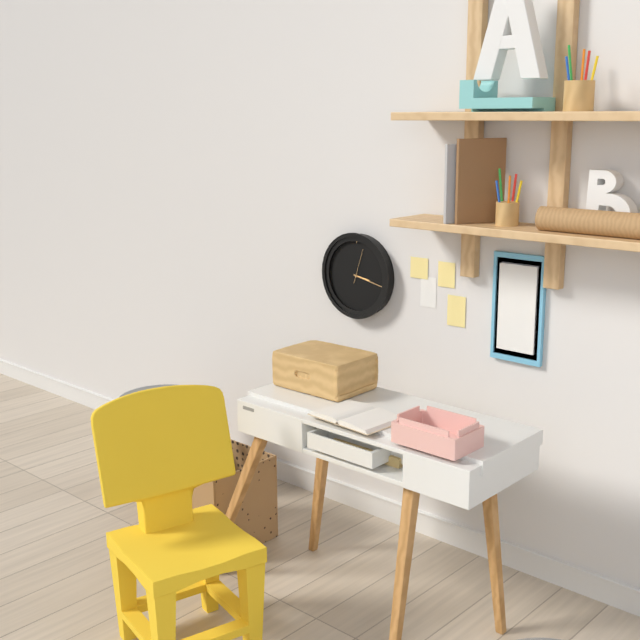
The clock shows 3:17
